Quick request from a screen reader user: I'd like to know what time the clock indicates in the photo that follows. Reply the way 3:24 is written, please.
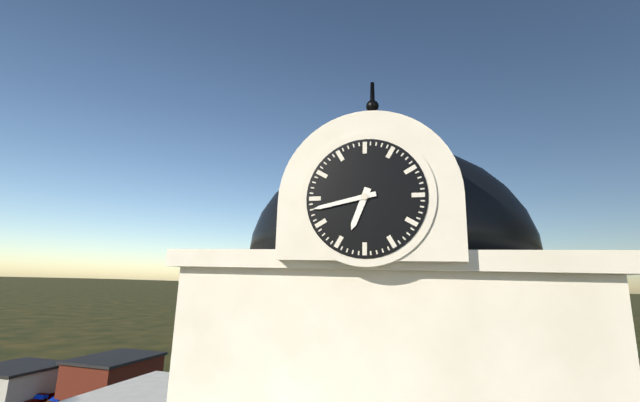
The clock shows 6:43
